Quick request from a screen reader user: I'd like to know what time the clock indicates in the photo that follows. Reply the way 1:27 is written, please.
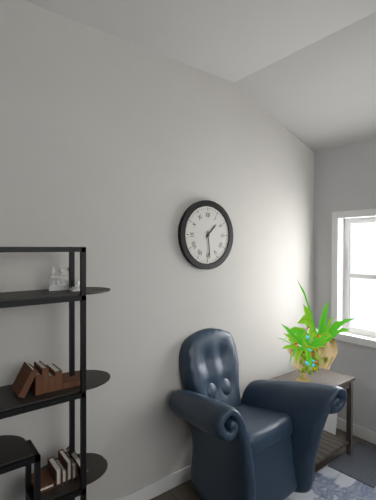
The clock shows 1:29
